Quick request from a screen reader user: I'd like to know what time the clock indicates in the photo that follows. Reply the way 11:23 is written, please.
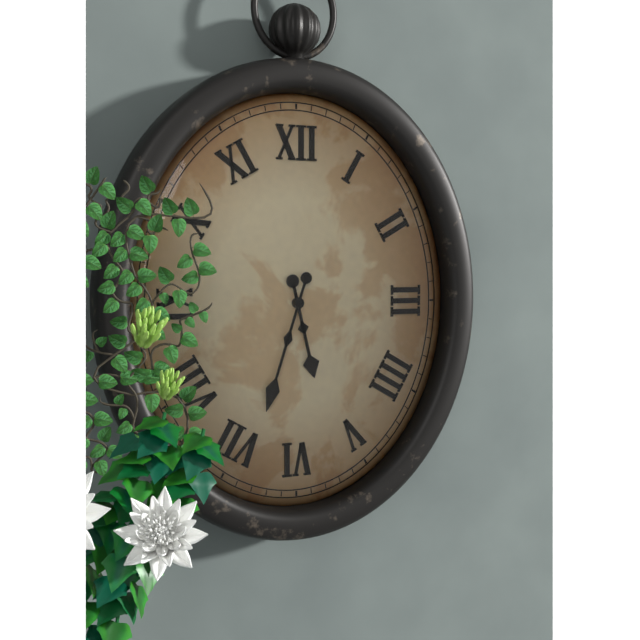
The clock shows 5:33
